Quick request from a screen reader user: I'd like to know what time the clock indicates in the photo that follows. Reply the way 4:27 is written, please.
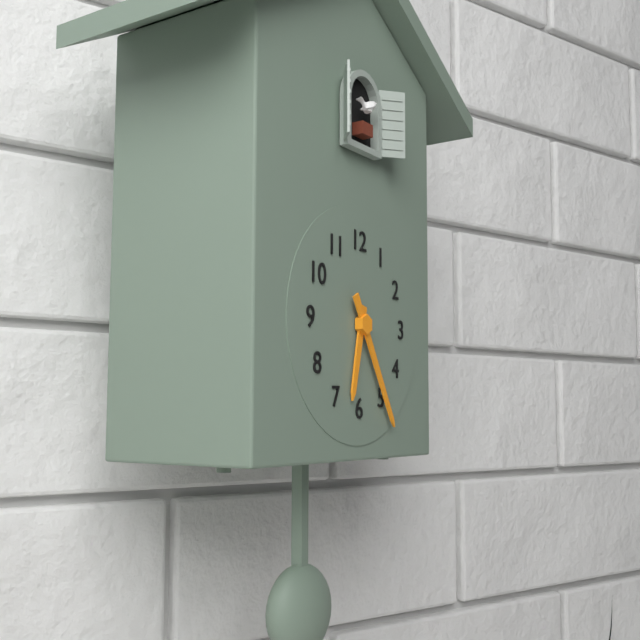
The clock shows 6:25
